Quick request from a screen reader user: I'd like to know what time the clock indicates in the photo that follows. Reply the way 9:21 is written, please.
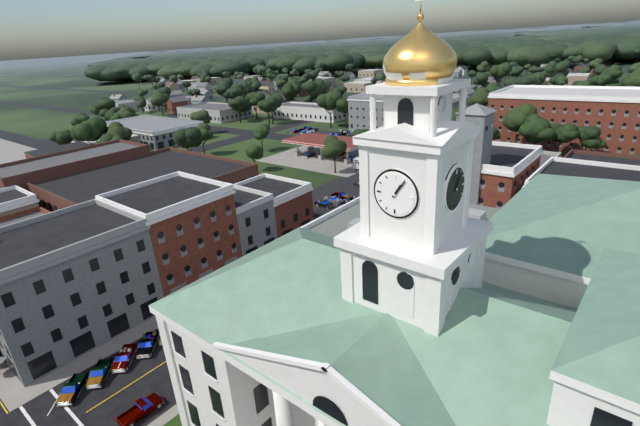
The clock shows 1:06
